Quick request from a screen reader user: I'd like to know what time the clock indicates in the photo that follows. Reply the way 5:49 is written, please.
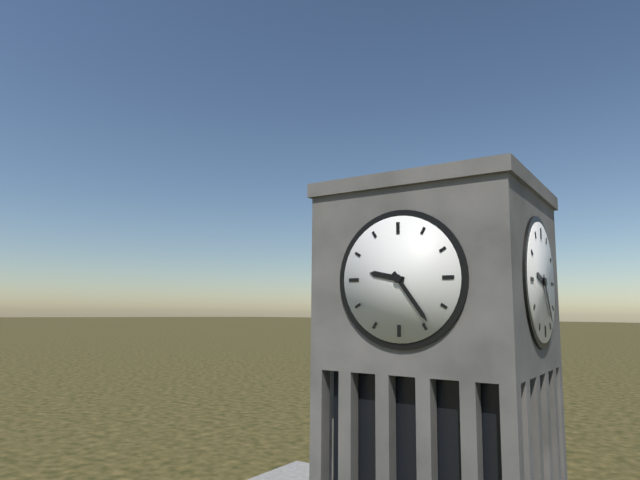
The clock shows 9:24
